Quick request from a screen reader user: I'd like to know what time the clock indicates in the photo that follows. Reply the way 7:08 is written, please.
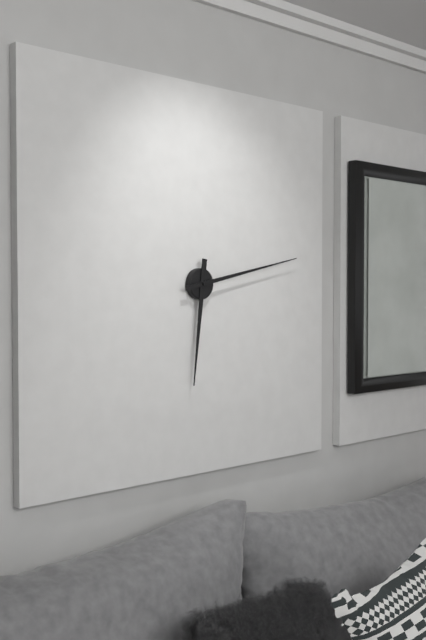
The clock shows 6:13
